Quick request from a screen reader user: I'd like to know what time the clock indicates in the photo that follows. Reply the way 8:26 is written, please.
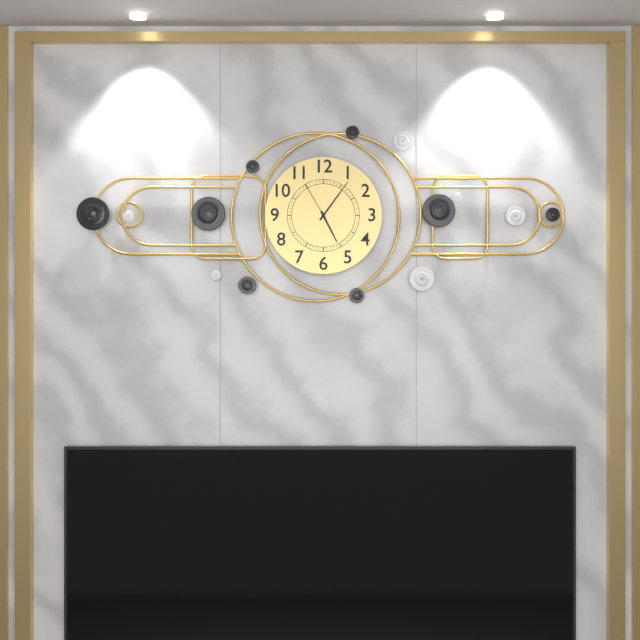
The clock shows 5:06
